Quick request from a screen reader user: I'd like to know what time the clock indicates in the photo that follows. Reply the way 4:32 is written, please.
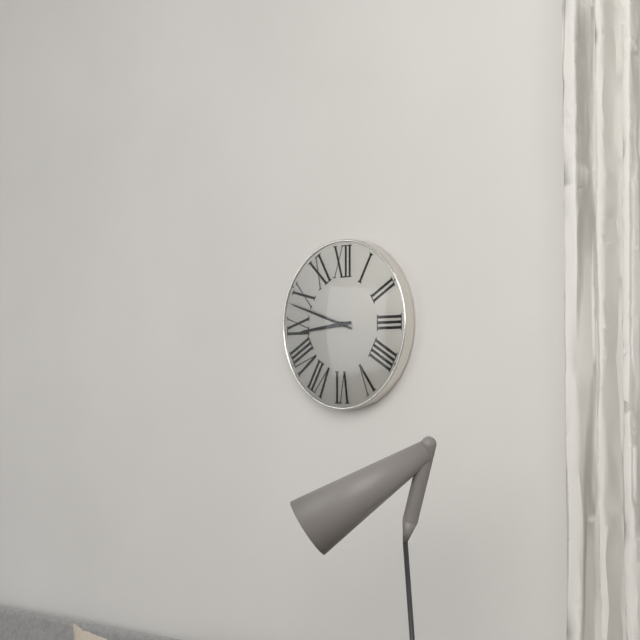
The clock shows 8:48
